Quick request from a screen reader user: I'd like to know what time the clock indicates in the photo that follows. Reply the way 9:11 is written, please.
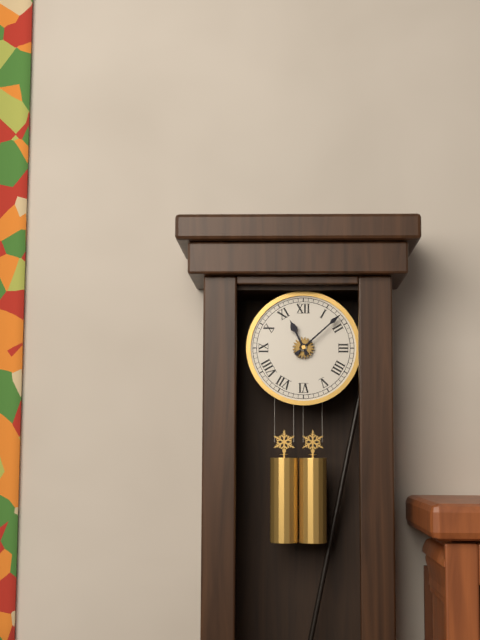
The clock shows 11:08
